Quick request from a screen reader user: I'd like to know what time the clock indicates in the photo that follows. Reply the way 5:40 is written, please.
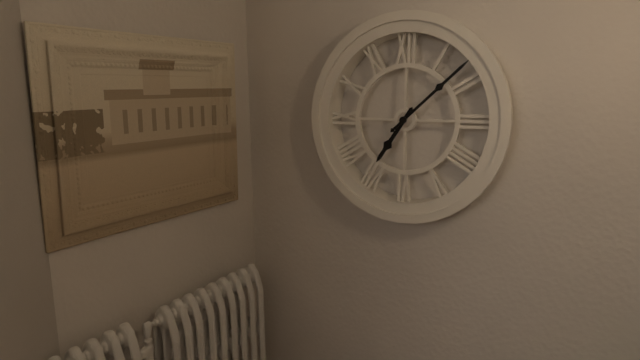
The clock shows 7:08
